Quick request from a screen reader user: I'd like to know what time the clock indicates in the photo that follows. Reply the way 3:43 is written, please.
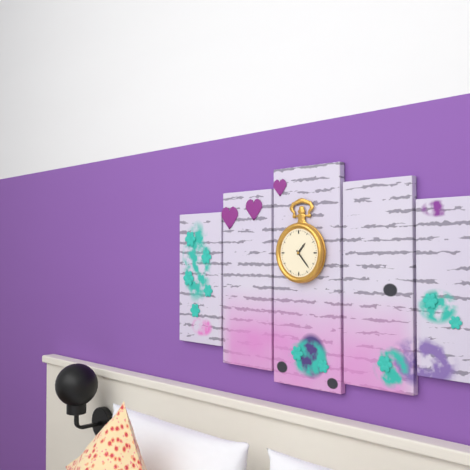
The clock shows 1:23
